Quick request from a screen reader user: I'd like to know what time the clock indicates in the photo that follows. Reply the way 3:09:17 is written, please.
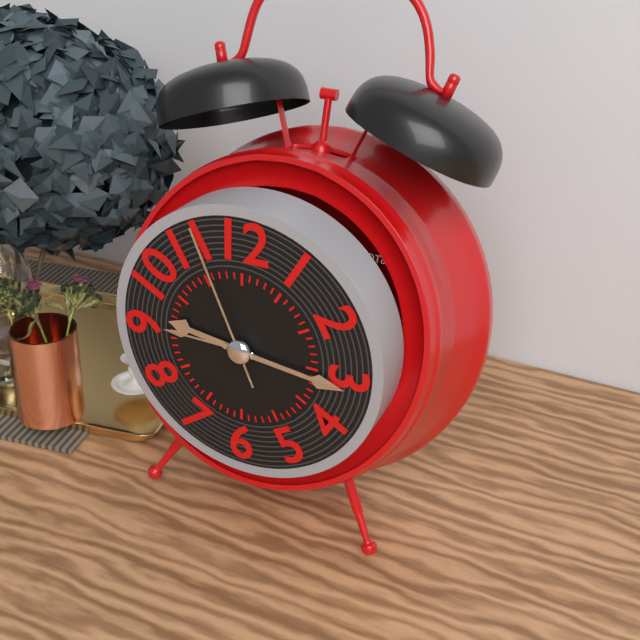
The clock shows 9:16:56
